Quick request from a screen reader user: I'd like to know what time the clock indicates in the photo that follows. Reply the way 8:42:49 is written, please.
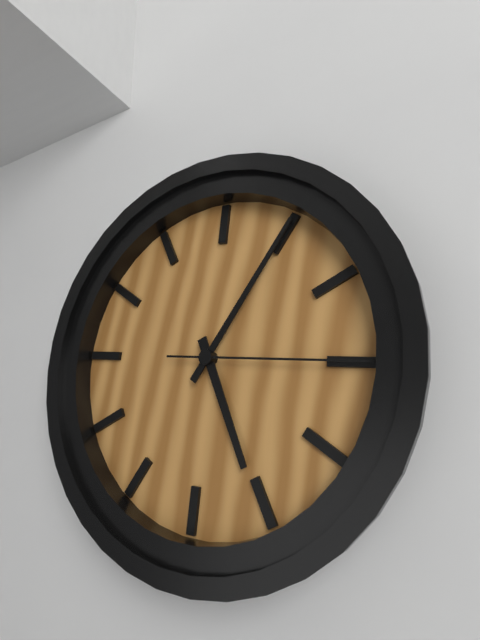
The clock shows 5:05:15
